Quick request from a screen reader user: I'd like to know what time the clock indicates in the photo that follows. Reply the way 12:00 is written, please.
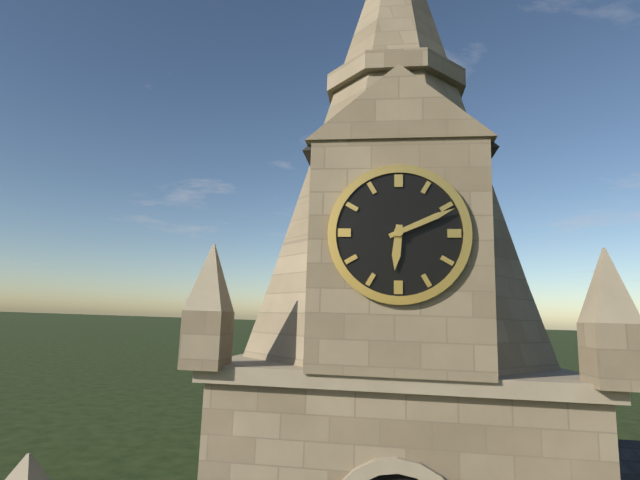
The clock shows 6:11
